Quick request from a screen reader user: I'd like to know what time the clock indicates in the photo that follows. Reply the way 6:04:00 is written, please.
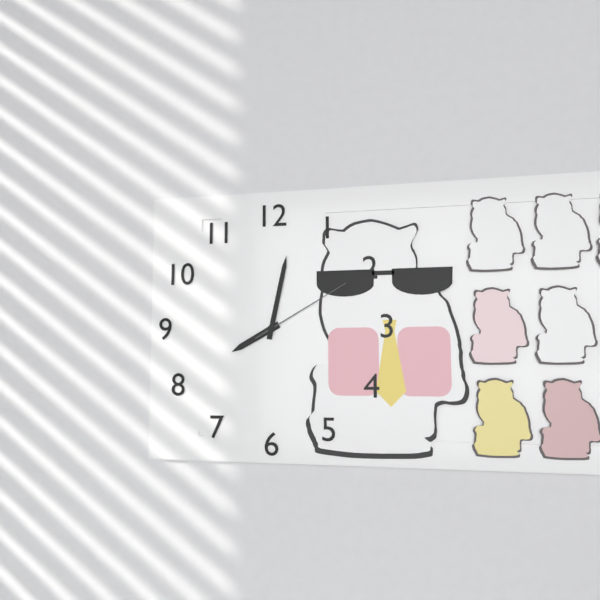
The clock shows 8:02:10
